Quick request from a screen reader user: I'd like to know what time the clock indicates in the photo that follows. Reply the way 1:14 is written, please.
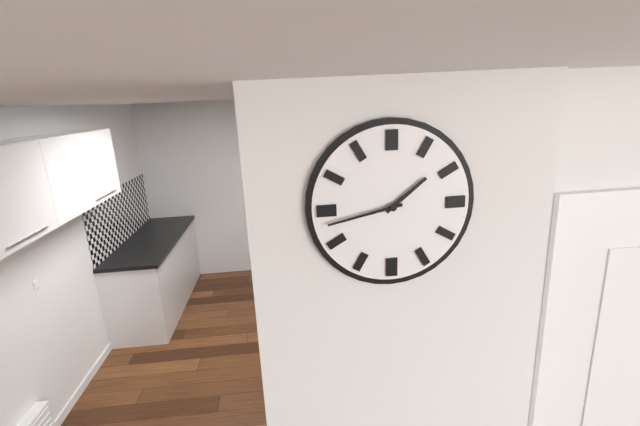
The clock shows 1:43
